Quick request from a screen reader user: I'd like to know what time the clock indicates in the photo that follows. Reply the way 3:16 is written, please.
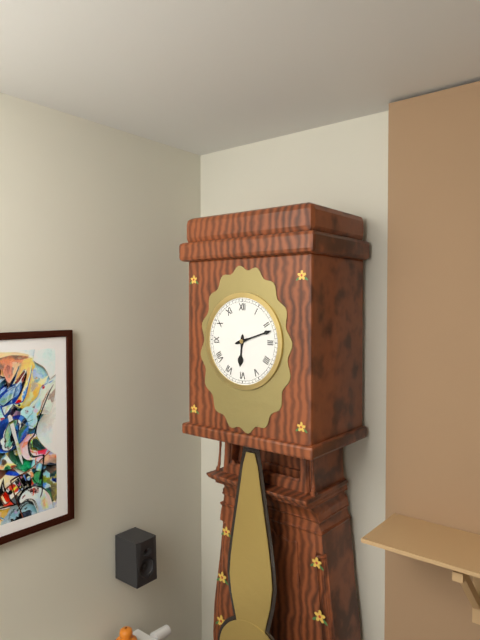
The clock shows 6:12
